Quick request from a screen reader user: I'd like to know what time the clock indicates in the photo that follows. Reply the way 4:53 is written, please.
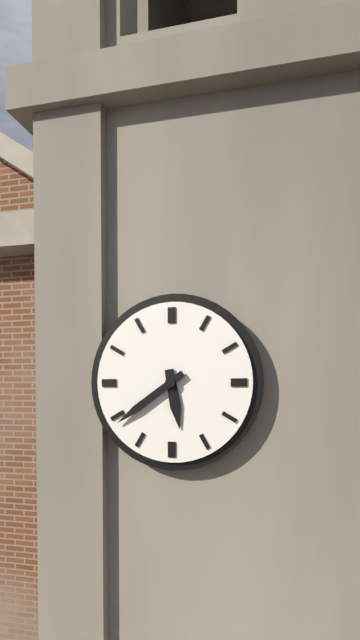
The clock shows 5:39
